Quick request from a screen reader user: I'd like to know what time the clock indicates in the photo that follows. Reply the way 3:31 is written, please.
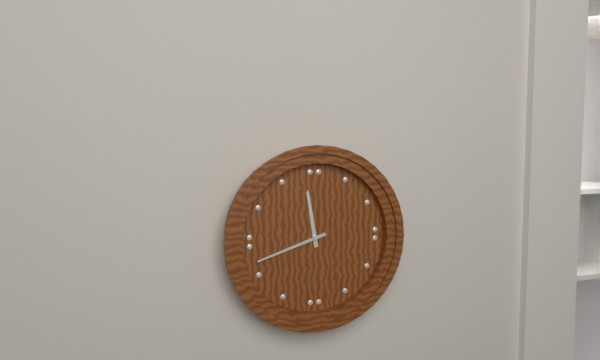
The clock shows 11:42
